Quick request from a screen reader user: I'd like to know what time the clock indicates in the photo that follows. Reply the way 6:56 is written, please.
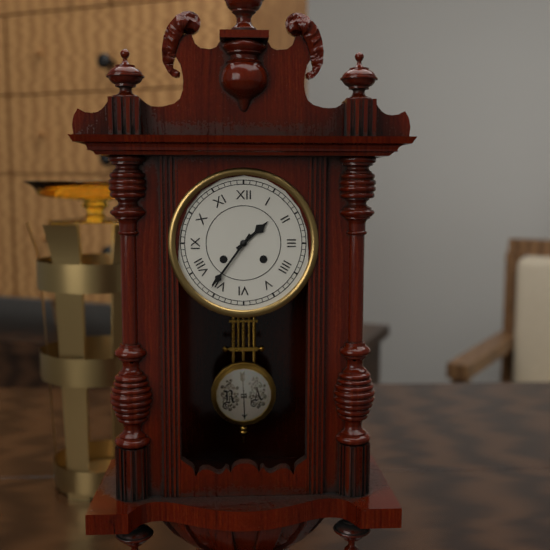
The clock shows 1:36
